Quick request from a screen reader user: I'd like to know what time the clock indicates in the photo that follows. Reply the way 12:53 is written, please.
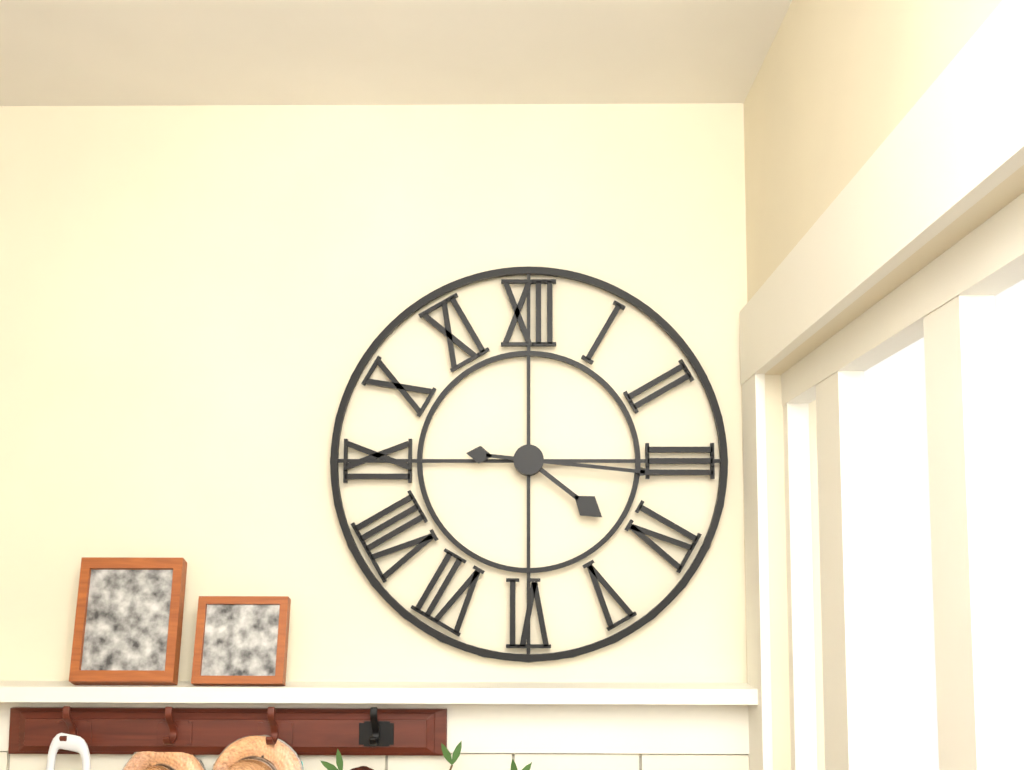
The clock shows 4:16
